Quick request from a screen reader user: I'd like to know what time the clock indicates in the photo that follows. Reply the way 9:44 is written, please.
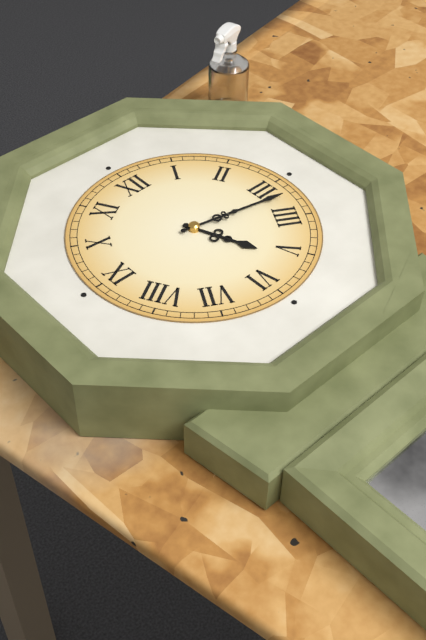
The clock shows 5:17
